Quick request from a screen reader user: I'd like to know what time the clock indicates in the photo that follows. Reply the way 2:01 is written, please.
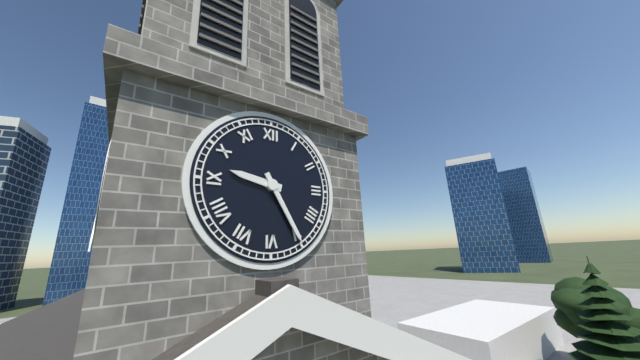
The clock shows 9:25
